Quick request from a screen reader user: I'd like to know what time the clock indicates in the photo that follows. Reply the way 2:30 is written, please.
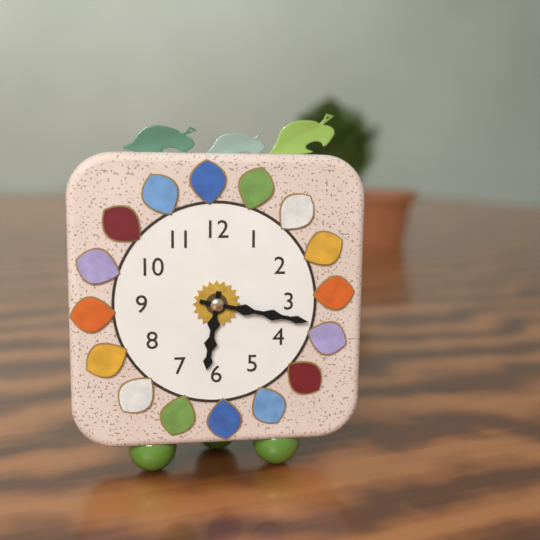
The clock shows 6:17
